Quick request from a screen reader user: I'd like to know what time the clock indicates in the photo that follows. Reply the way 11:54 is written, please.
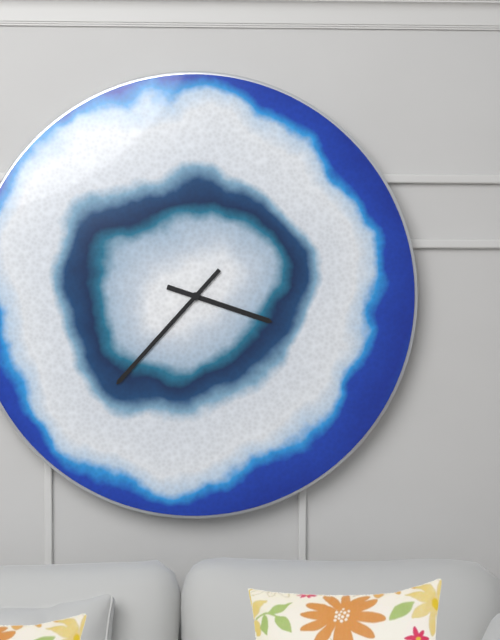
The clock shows 3:37
